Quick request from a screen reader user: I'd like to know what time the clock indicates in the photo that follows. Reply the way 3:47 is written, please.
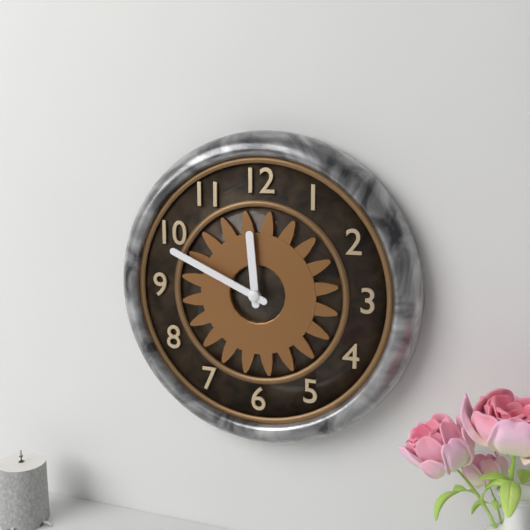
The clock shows 11:49
